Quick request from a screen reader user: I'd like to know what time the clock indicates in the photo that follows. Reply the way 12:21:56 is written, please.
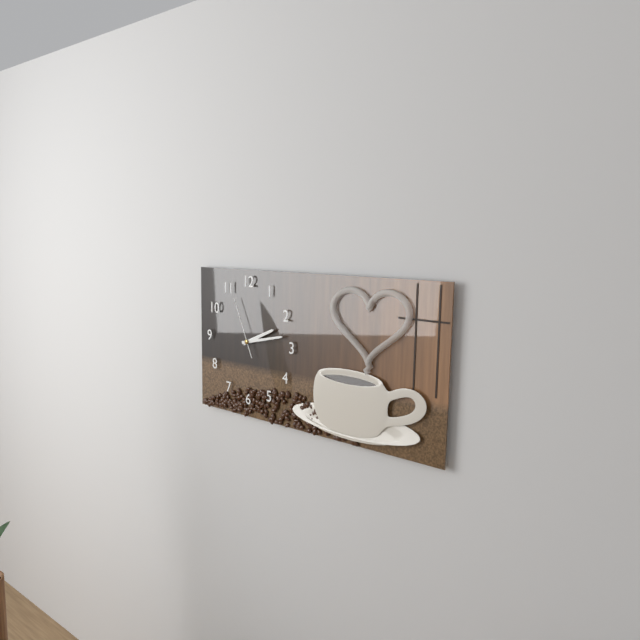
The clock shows 2:13:56
